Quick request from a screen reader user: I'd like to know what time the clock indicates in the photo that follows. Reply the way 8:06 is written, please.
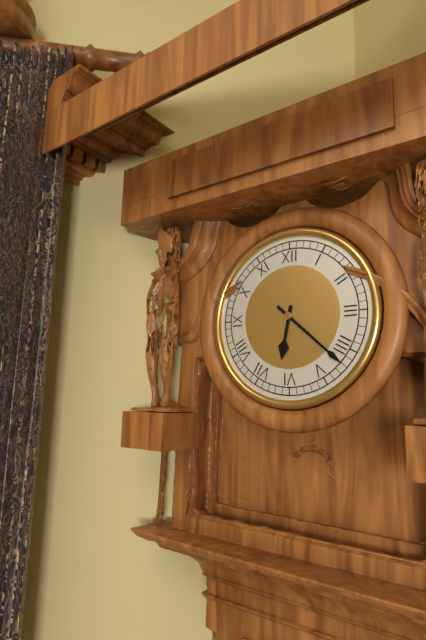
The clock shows 6:22
